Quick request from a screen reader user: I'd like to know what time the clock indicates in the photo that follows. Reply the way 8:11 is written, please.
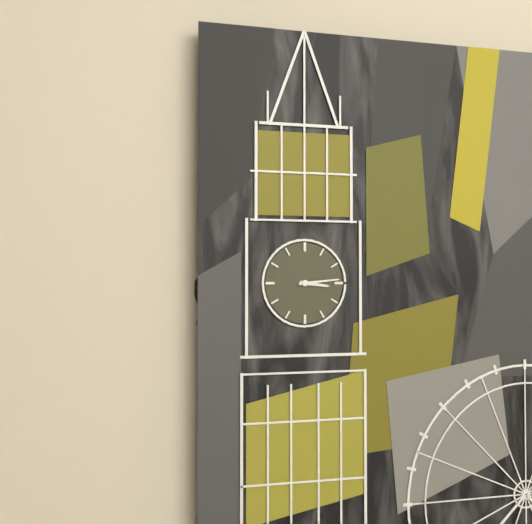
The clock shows 3:14
